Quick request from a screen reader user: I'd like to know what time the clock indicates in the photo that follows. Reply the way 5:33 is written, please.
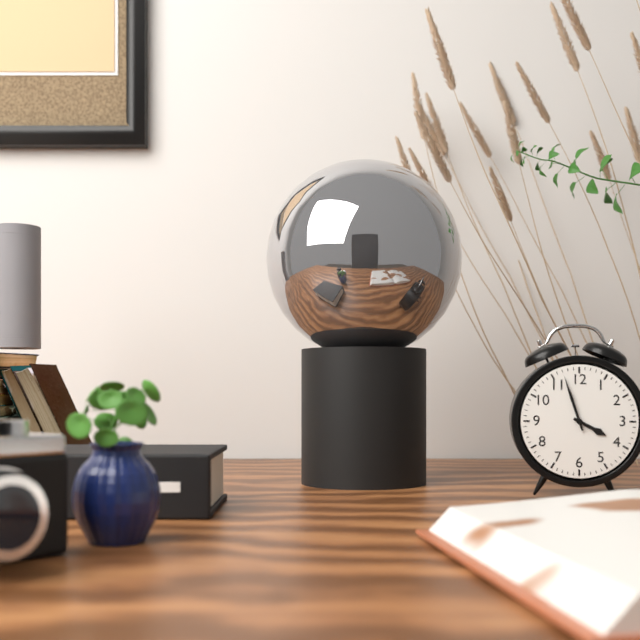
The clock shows 3:57
